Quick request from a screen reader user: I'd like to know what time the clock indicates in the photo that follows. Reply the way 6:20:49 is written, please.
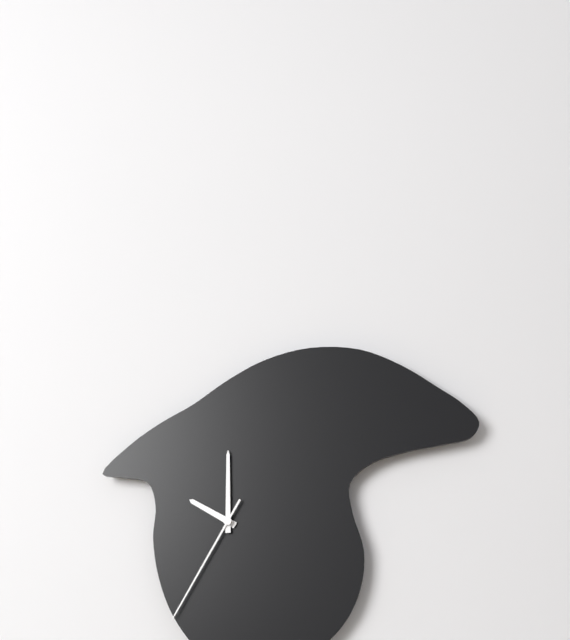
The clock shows 10:00:35
